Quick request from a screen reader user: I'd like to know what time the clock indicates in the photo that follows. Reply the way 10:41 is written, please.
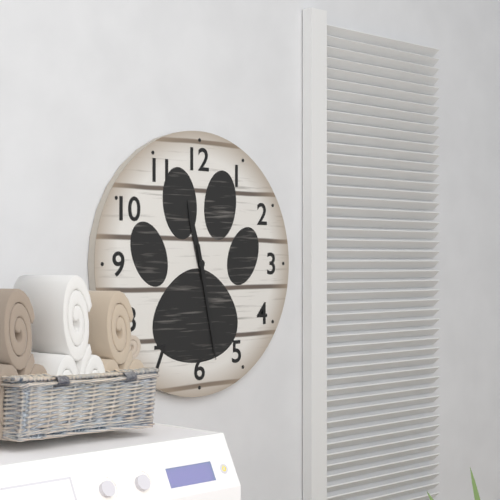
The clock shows 11:28
